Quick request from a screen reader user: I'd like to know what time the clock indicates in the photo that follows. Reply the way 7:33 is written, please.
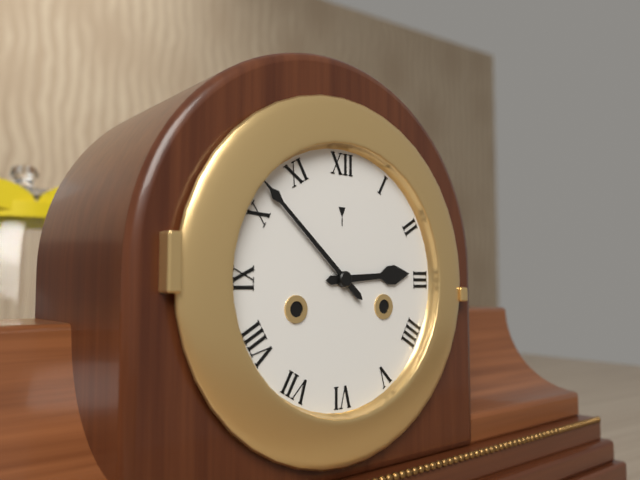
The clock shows 2:52
